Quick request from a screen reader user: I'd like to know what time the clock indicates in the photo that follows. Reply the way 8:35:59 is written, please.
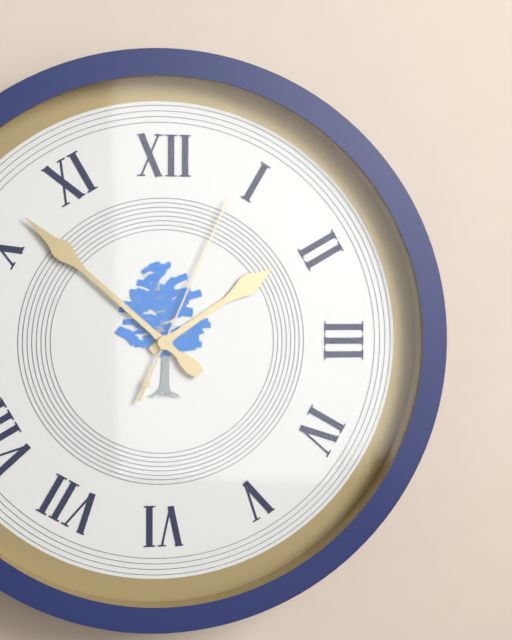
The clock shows 1:52:04
